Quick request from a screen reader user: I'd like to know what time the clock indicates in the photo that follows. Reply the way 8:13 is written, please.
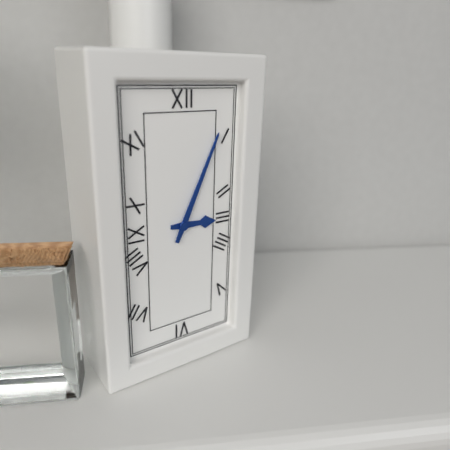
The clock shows 3:04
